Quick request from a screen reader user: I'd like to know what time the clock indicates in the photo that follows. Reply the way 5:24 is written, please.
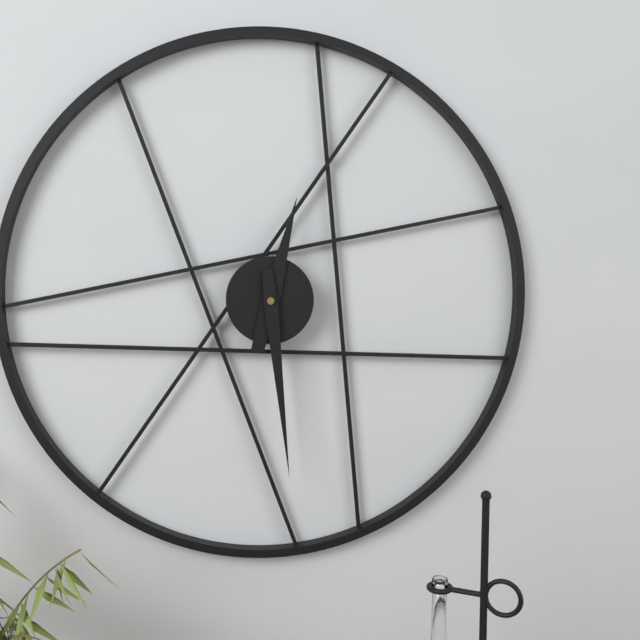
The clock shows 12:29
